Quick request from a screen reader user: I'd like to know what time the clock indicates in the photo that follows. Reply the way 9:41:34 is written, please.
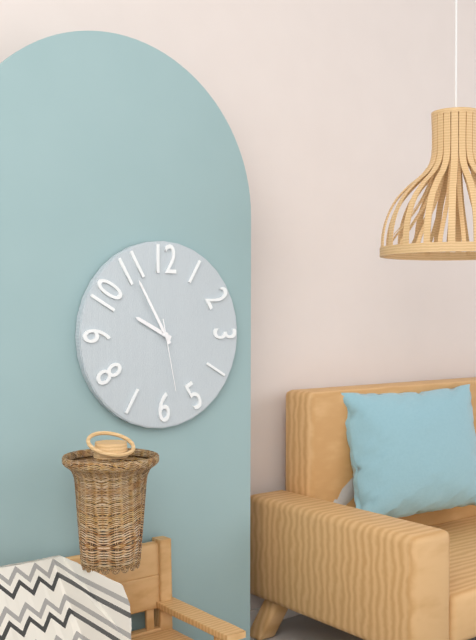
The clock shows 9:55:28
